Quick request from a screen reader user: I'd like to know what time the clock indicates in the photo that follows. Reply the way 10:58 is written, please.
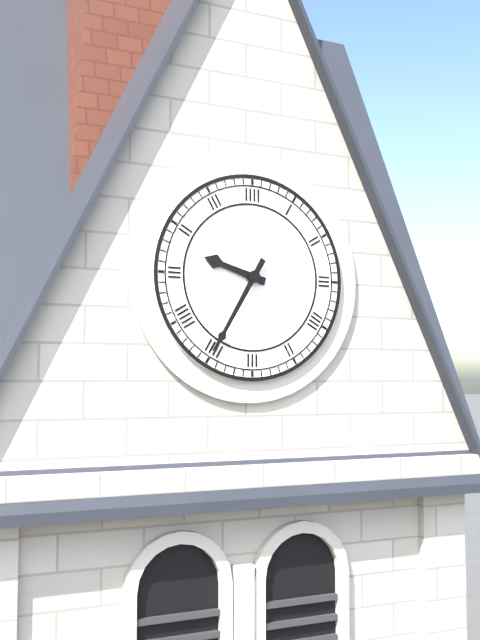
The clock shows 9:35
